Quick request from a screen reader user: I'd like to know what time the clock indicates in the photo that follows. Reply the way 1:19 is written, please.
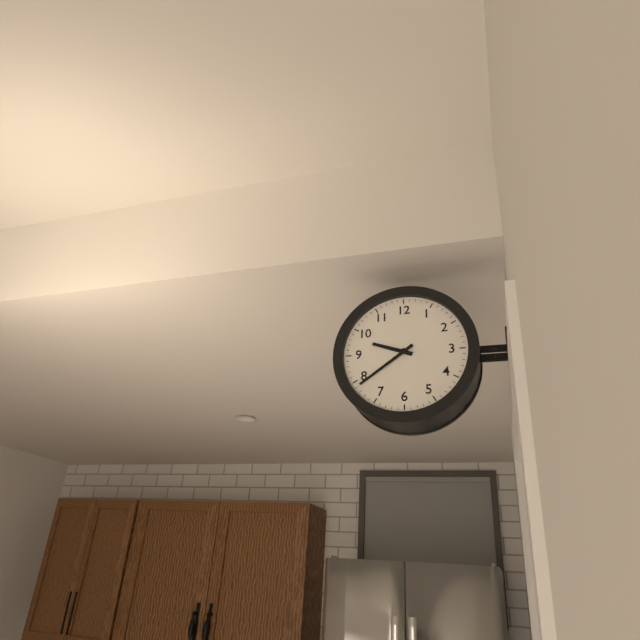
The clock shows 9:39
